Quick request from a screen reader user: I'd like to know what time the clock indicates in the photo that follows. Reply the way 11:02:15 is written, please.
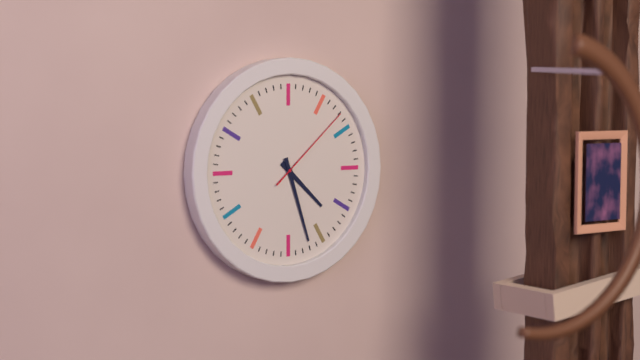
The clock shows 4:27:08
